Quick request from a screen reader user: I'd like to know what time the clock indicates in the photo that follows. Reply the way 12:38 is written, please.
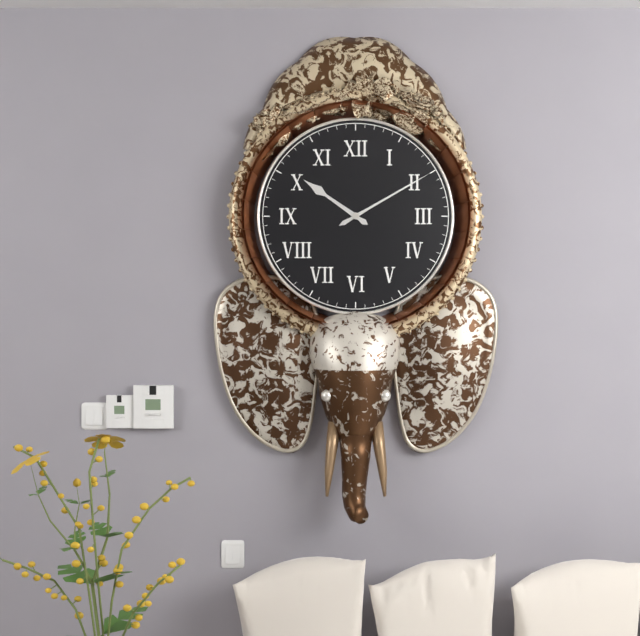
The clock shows 10:10
